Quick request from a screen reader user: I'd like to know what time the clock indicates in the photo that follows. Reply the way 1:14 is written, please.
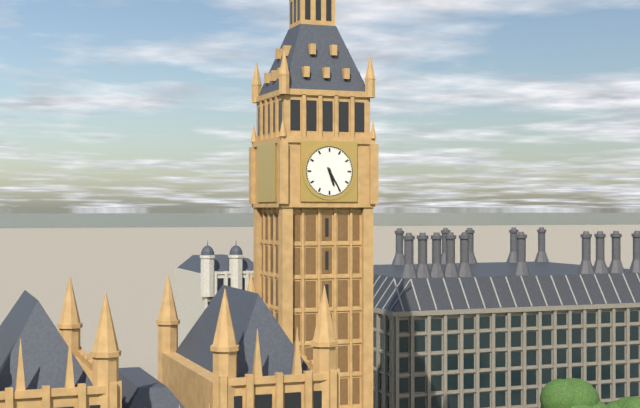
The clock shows 5:25
